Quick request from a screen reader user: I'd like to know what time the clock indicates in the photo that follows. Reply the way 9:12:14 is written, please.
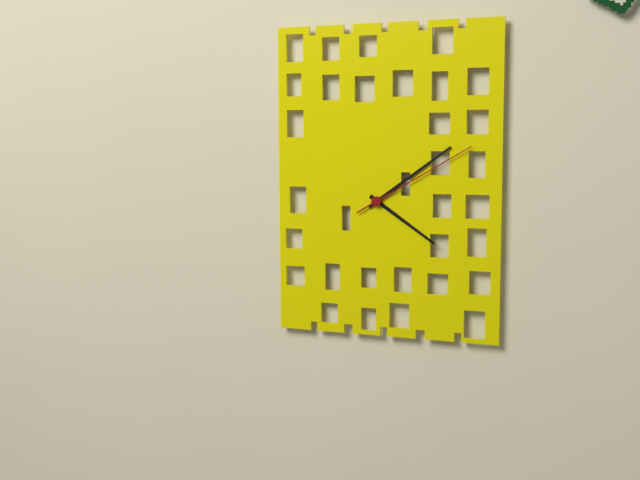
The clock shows 4:09:10
